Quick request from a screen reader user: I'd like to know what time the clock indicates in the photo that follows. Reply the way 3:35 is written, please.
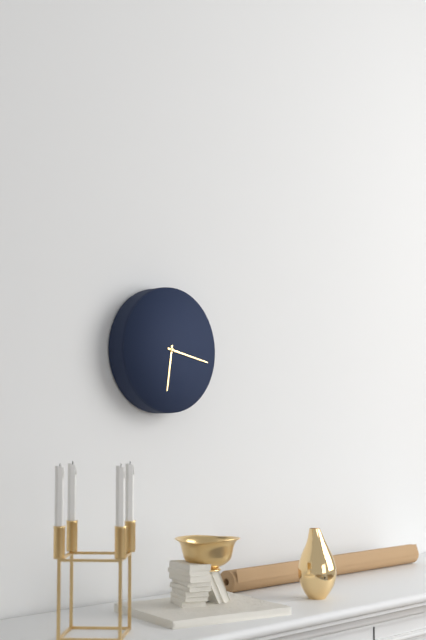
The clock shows 6:17
